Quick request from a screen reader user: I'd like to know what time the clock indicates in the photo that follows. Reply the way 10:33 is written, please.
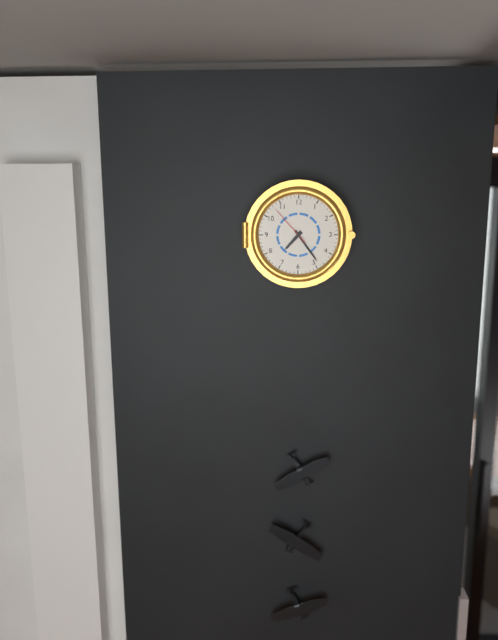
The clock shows 7:24
